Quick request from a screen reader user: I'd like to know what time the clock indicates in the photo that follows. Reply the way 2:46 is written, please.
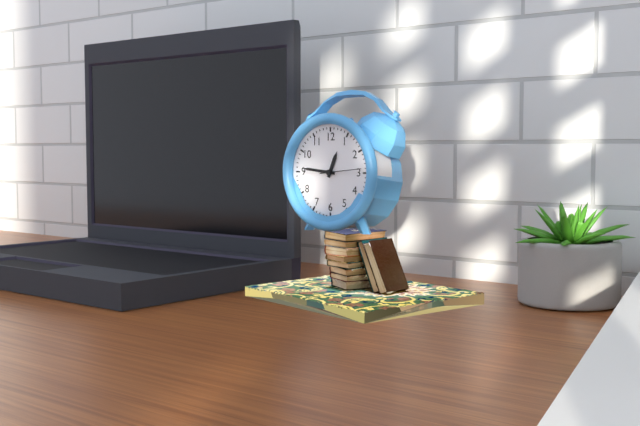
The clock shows 12:46
